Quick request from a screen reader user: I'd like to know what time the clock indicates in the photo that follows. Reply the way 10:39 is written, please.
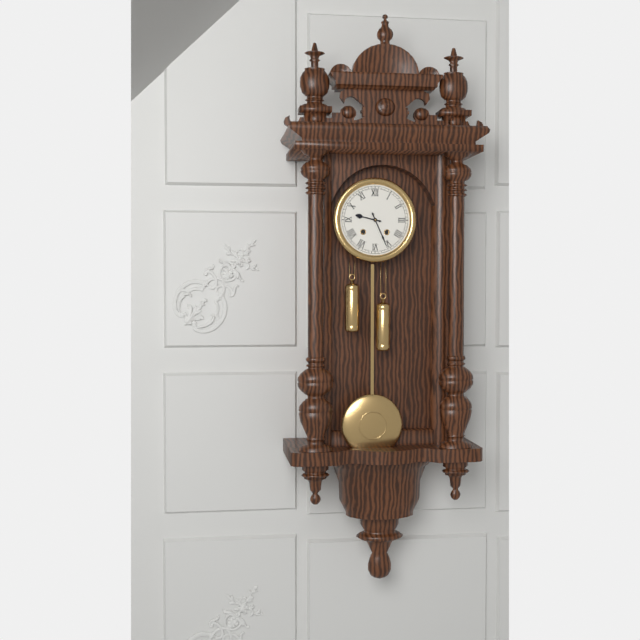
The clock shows 9:26
